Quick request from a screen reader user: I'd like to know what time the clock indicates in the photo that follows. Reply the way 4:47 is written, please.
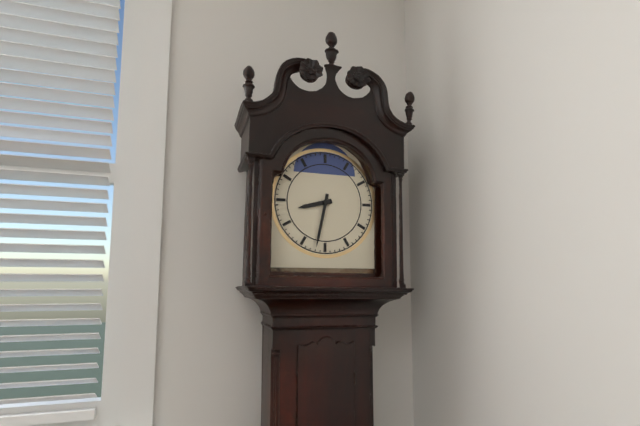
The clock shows 8:32
